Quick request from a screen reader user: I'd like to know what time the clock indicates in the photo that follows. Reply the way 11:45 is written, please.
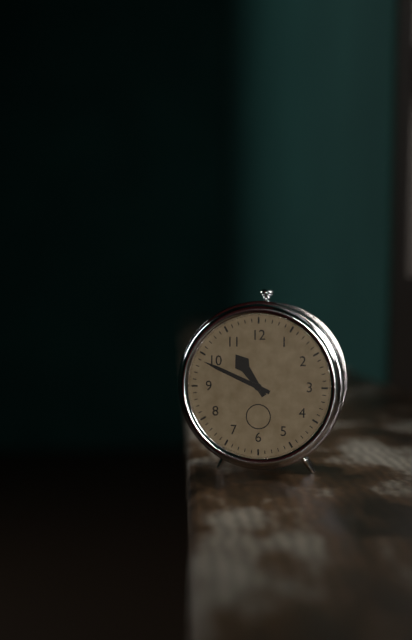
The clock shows 10:49
